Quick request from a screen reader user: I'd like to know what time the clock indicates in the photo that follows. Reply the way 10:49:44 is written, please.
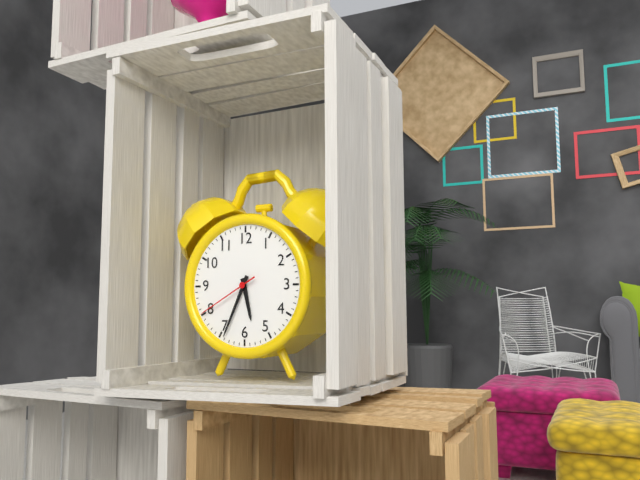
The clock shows 5:34:40
